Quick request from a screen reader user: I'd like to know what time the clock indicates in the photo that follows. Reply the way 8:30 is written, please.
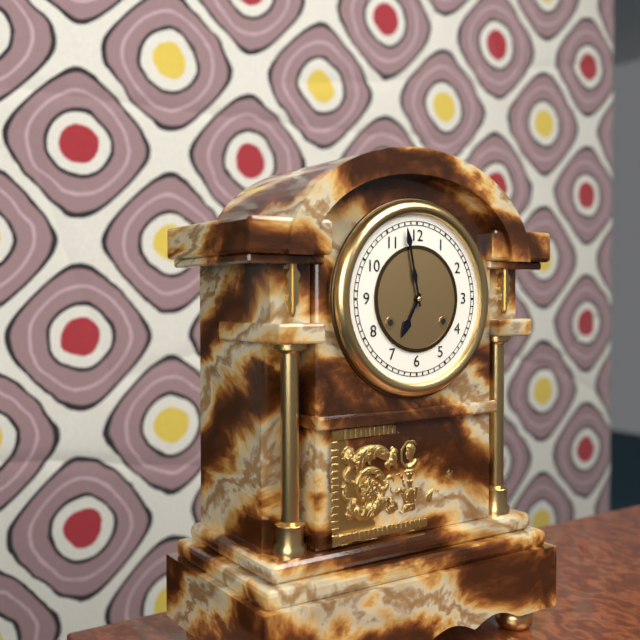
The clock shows 6:58
